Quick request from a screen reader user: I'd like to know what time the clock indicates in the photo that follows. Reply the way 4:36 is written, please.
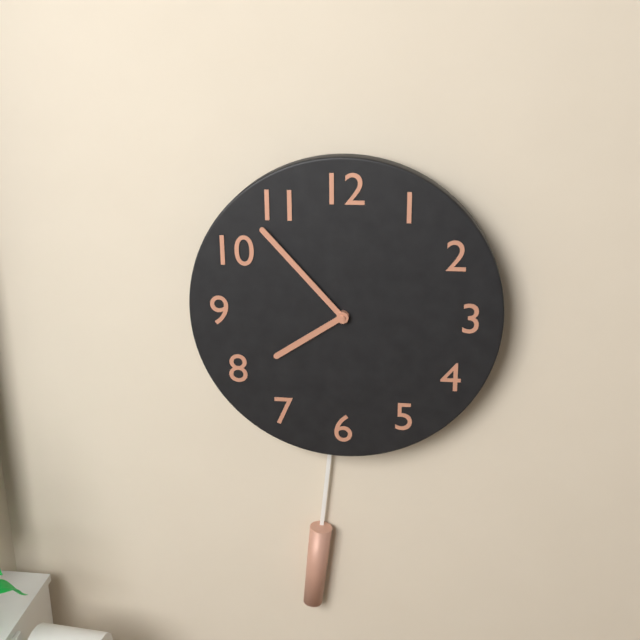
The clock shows 7:53
